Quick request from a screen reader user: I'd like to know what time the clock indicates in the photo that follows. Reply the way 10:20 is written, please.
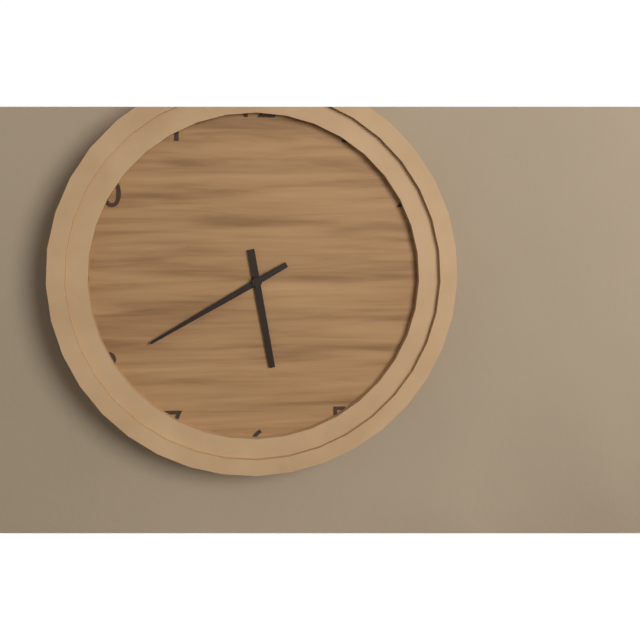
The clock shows 5:40
